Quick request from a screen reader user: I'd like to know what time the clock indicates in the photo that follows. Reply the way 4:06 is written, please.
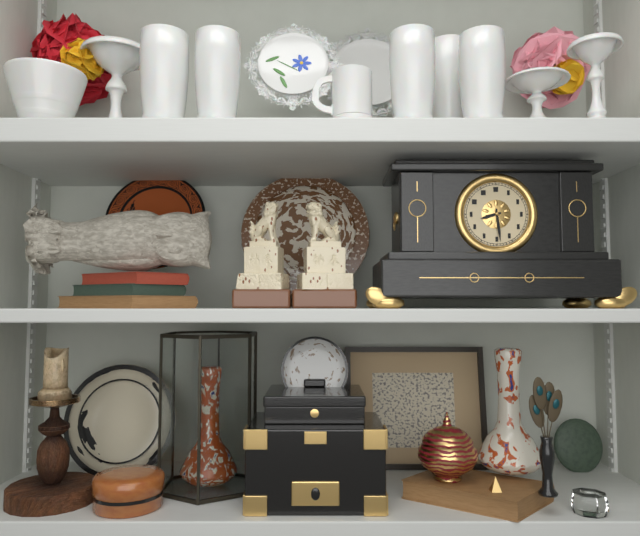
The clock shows 8:29
